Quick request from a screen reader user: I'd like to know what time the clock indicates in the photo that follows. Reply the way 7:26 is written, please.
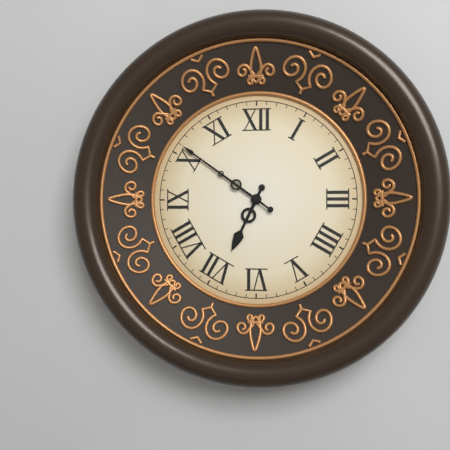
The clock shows 6:51
